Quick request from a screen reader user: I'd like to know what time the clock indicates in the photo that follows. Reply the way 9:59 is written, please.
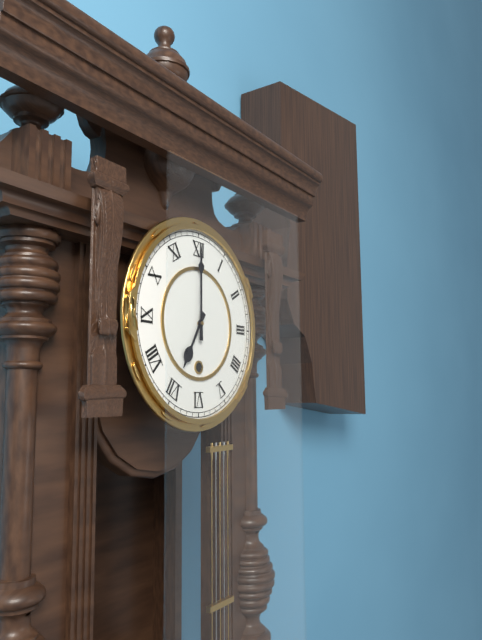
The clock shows 7:00
